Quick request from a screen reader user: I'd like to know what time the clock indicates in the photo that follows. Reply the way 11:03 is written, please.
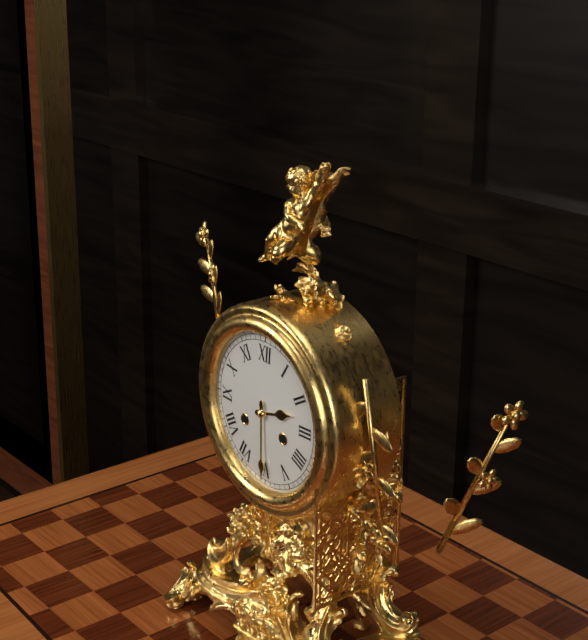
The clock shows 2:30
